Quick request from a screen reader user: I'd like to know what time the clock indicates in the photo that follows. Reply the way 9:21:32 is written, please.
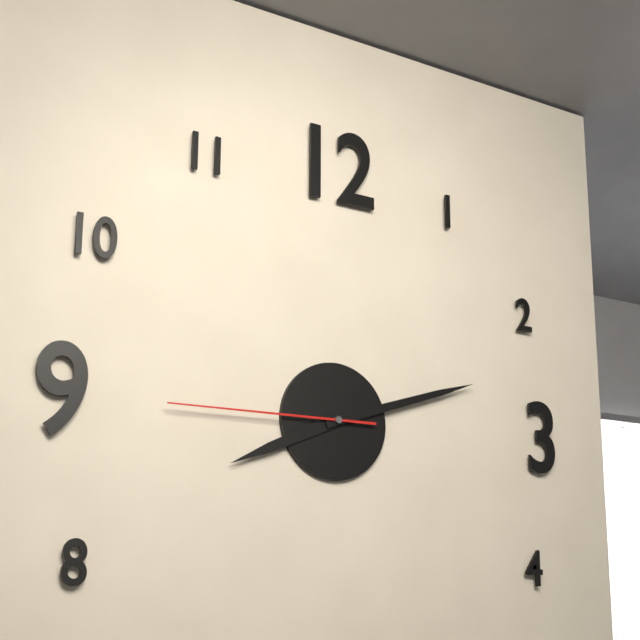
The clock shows 8:12:45
